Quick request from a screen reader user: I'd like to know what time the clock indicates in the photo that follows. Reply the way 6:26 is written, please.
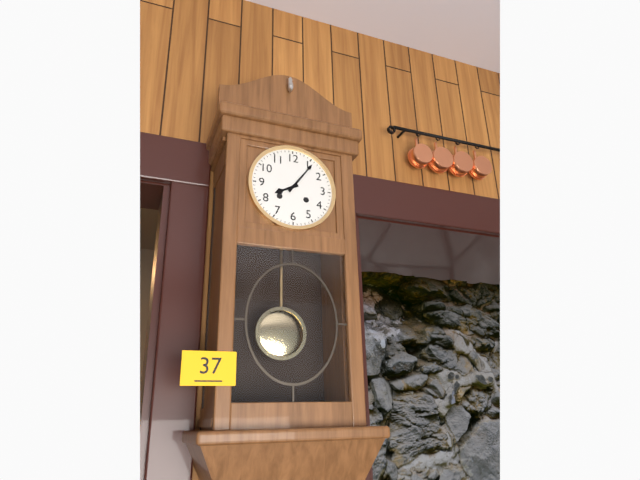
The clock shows 8:06
